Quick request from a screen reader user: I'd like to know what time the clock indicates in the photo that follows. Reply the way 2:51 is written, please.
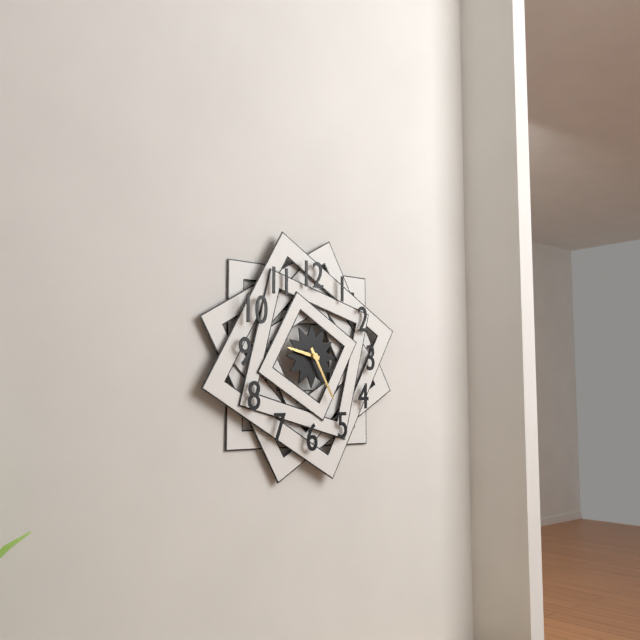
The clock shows 9:25
